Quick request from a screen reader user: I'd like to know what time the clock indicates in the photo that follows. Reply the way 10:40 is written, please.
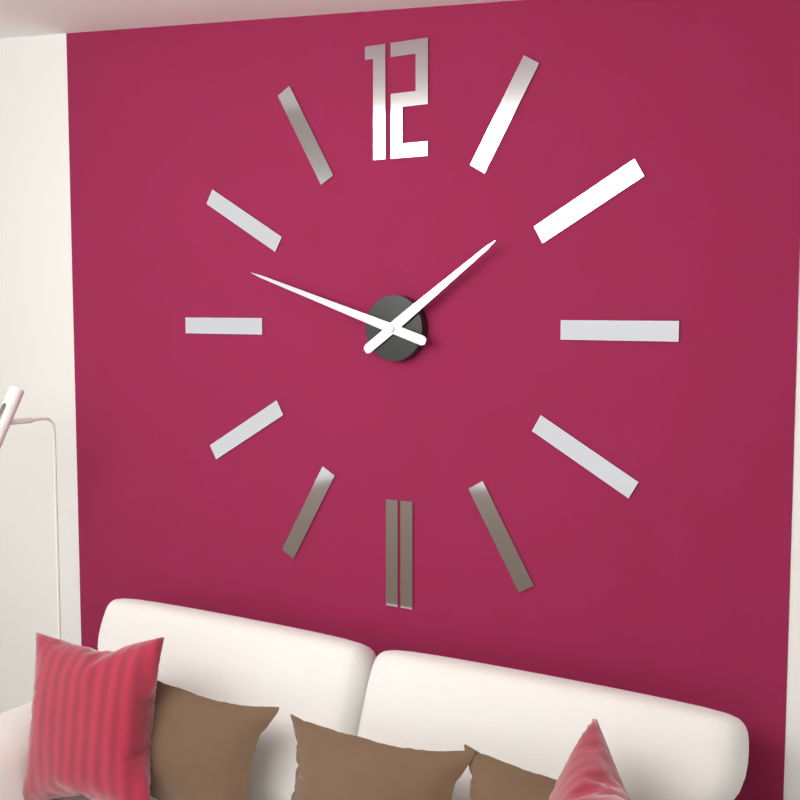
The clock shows 1:48
